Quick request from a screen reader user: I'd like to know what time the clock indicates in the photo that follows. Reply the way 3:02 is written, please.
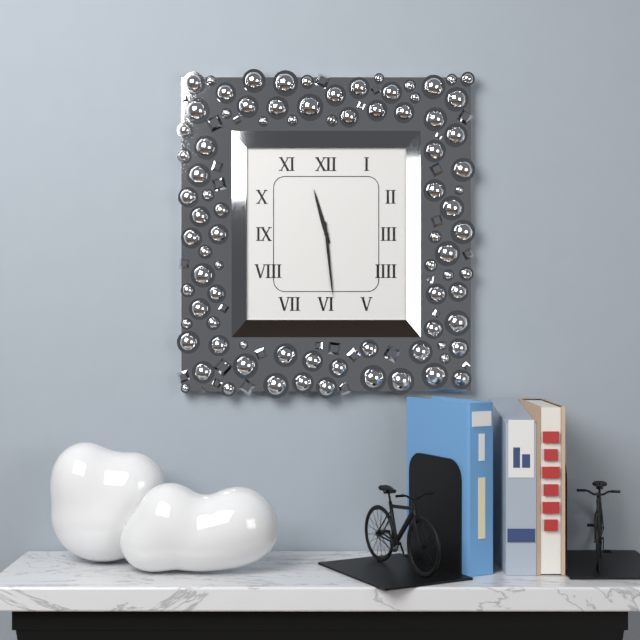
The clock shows 11:29
